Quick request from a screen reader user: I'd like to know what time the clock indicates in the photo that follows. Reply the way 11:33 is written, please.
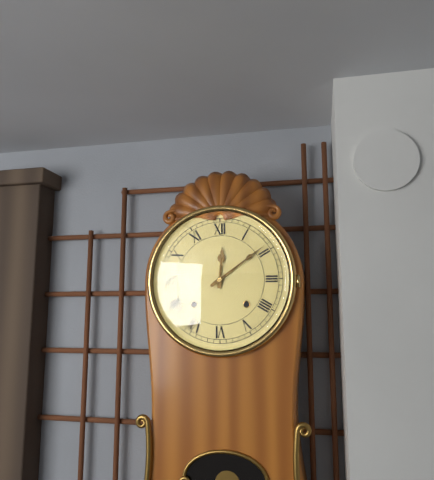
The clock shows 12:09
